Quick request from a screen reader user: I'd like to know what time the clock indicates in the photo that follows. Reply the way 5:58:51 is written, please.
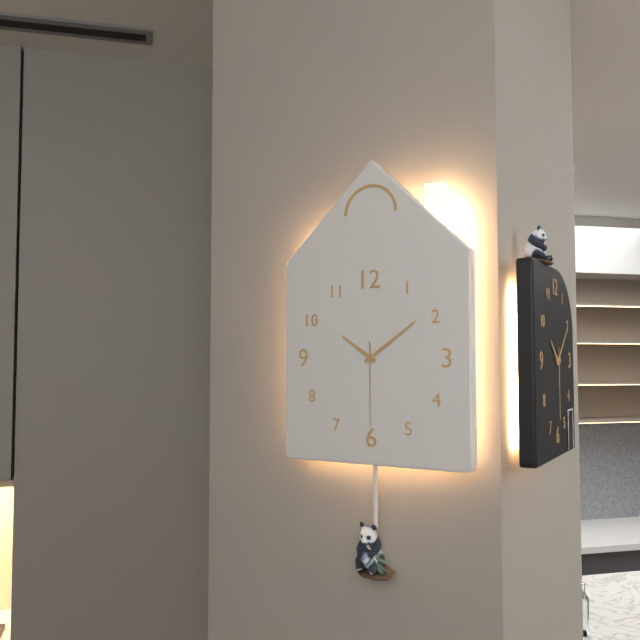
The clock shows 10:09:30
